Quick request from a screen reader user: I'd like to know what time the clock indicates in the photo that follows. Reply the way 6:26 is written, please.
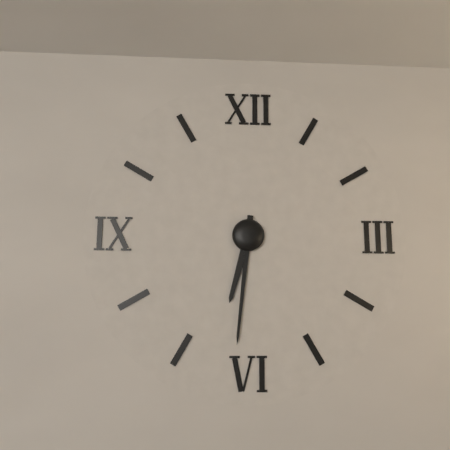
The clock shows 6:31
